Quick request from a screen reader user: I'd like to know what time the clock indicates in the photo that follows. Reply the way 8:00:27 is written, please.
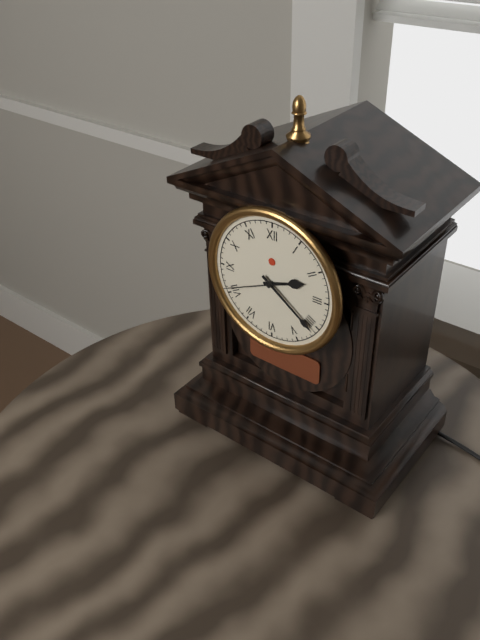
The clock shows 2:21:41
